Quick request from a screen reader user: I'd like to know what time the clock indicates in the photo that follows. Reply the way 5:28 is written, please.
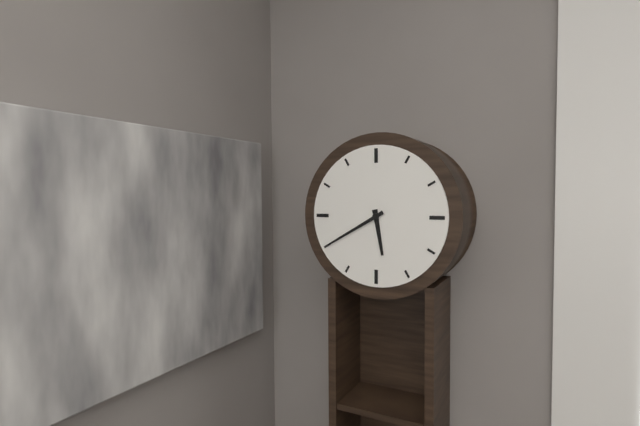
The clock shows 5:40
